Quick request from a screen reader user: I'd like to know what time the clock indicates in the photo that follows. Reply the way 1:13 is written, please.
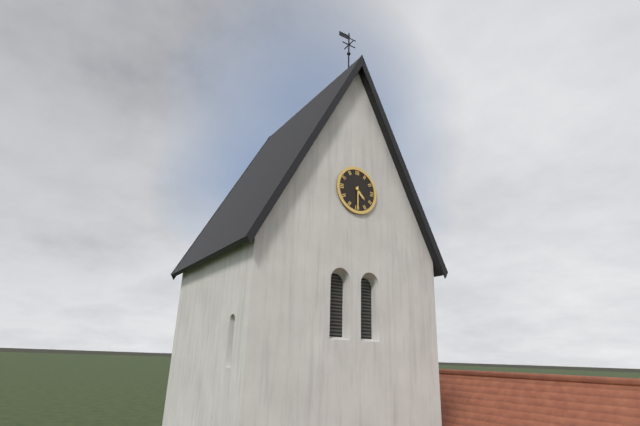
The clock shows 4:30
